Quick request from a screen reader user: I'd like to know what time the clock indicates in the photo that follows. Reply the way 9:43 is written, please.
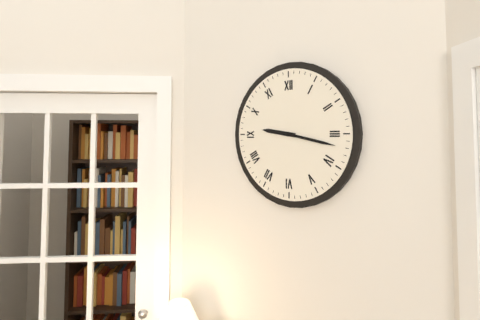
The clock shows 9:17
